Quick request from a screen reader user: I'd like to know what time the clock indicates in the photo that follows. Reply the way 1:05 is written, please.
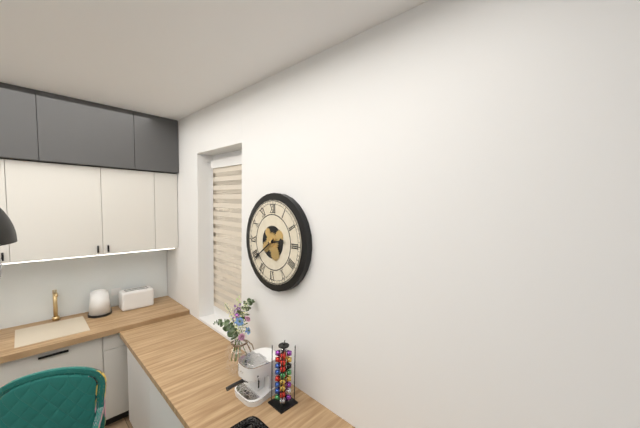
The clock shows 2:39
